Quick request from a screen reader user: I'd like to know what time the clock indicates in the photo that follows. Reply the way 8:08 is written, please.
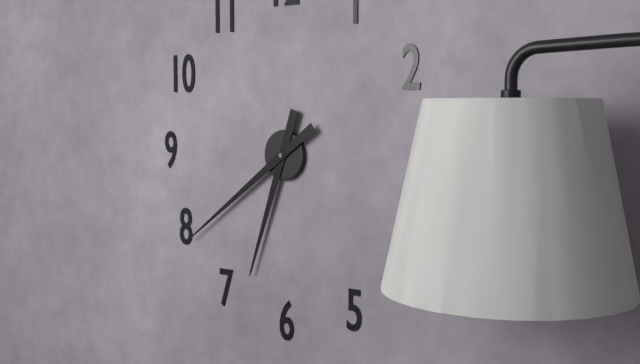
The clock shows 6:39
